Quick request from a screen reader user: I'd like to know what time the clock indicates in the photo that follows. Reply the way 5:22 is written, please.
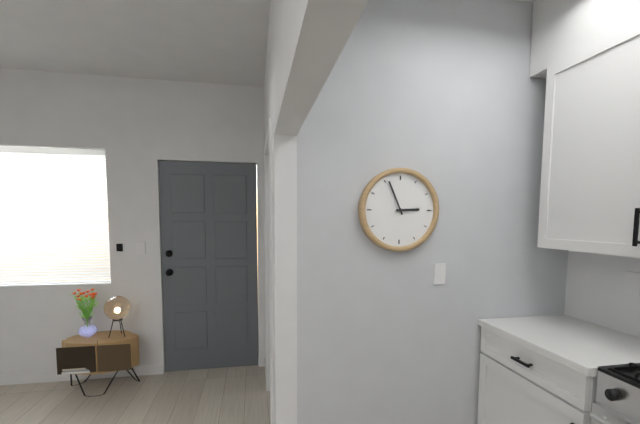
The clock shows 2:56
